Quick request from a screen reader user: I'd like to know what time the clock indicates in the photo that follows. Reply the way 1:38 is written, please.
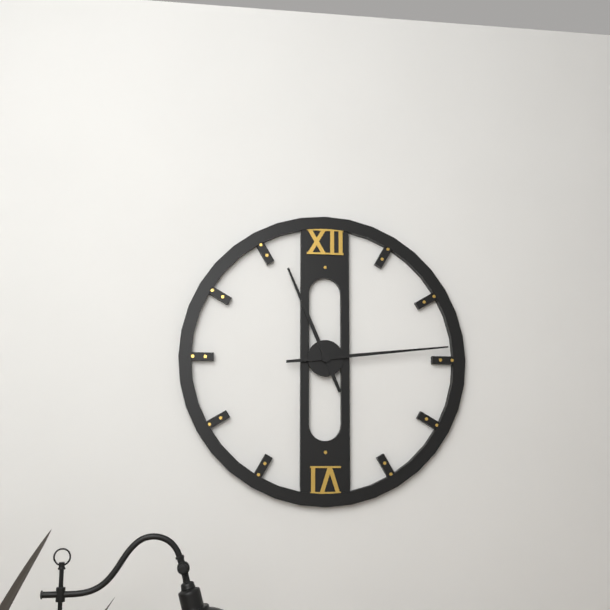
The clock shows 11:14
